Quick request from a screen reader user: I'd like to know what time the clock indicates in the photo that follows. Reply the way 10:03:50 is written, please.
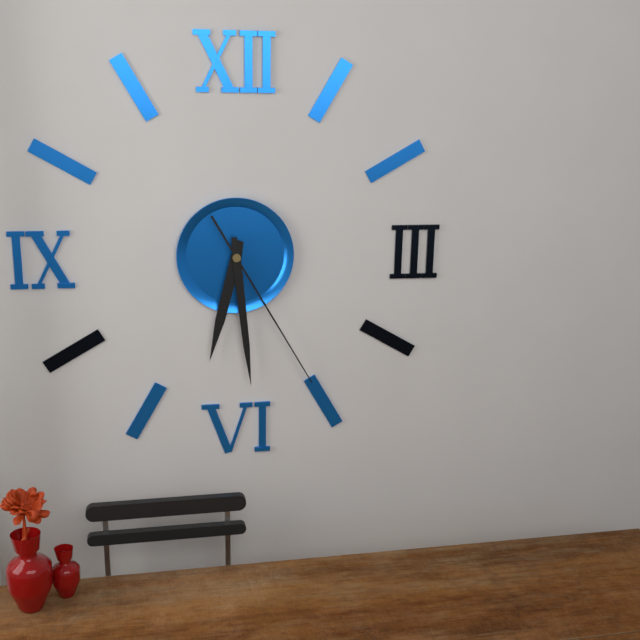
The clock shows 6:29:25
